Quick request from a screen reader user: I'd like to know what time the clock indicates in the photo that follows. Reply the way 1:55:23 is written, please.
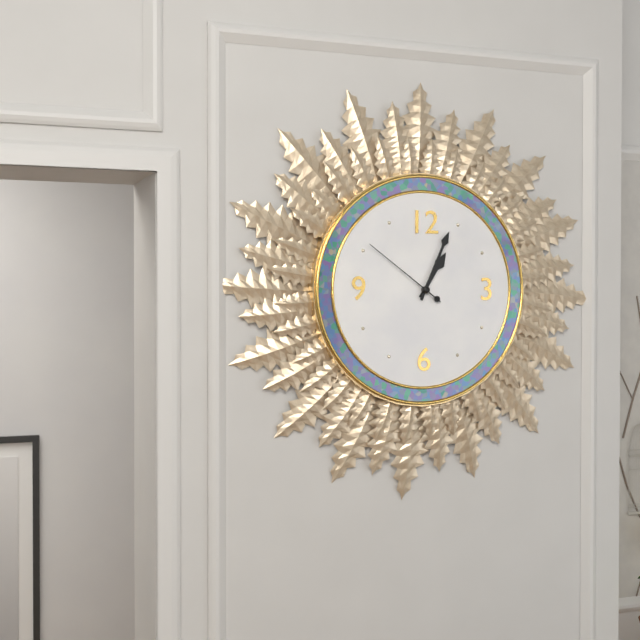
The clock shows 1:04:51
